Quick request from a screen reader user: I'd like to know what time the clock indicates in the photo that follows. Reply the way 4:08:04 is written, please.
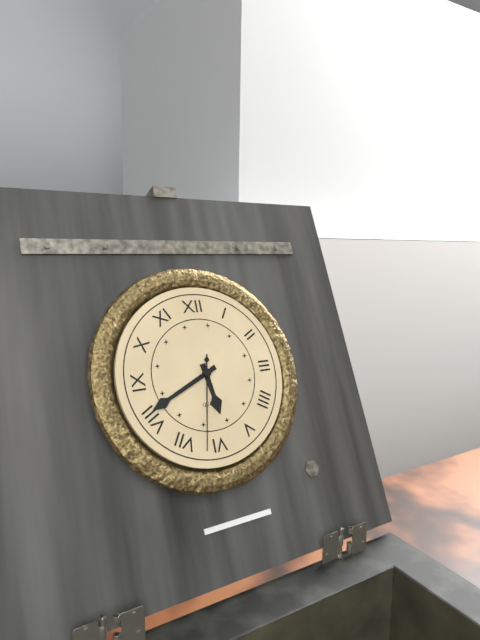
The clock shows 5:41:32
